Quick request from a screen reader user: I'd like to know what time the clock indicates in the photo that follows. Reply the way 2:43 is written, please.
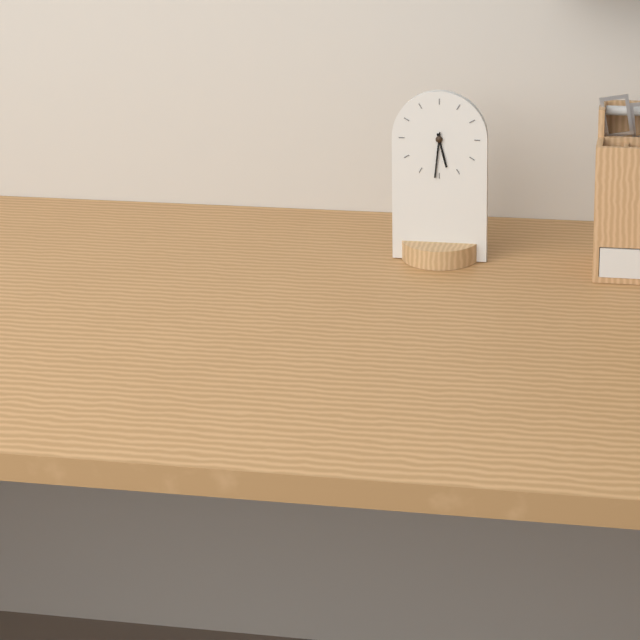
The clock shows 5:31
